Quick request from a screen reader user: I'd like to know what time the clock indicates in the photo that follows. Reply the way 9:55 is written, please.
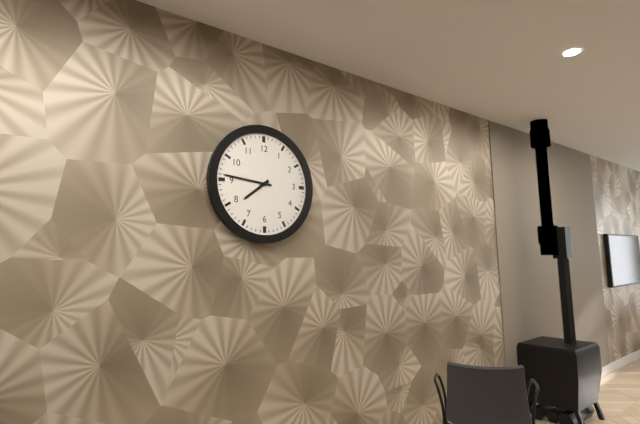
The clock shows 7:46
